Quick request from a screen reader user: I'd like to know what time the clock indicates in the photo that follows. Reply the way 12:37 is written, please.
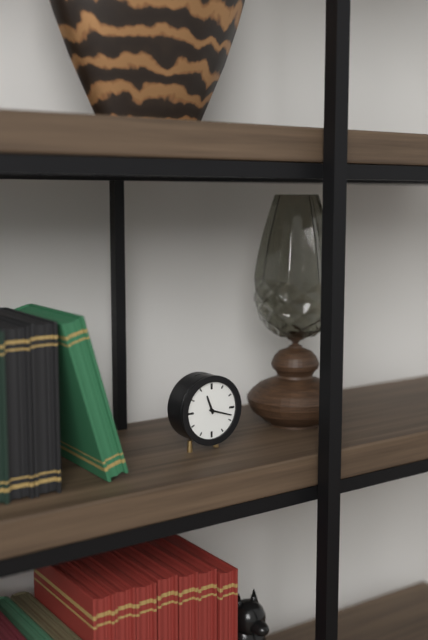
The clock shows 11:18
